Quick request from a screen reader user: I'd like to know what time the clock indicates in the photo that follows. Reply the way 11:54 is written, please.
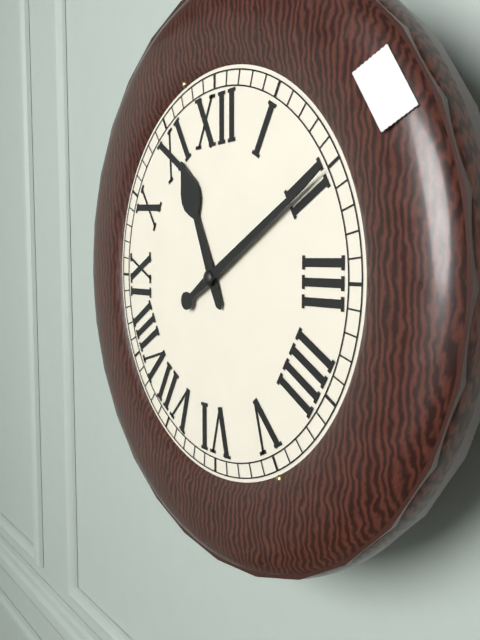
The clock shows 11:10
